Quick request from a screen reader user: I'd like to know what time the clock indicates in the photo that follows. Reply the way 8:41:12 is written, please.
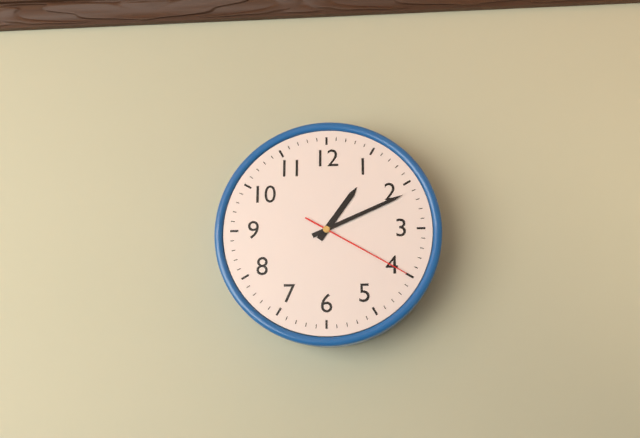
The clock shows 1:11:20
